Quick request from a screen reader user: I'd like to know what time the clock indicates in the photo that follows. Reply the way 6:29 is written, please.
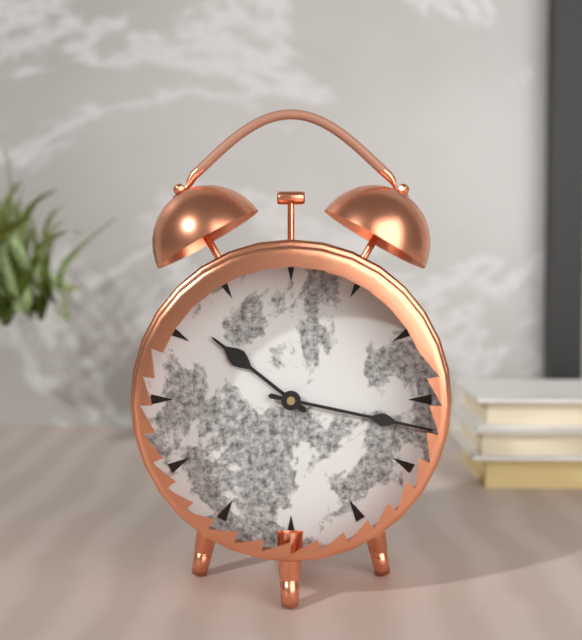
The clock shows 10:17
